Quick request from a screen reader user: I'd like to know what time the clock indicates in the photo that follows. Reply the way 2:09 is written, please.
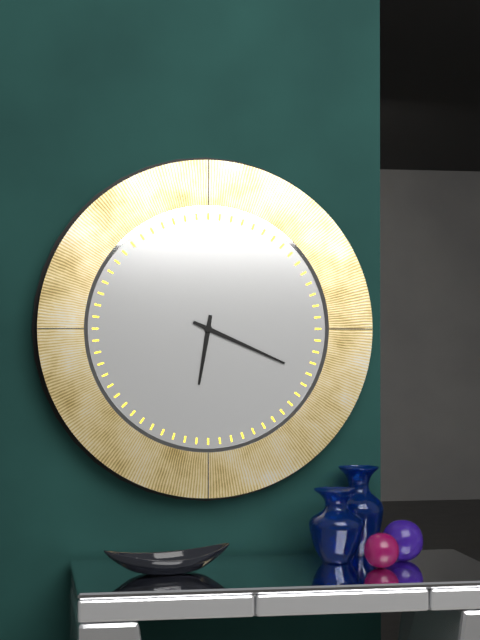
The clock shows 6:19
